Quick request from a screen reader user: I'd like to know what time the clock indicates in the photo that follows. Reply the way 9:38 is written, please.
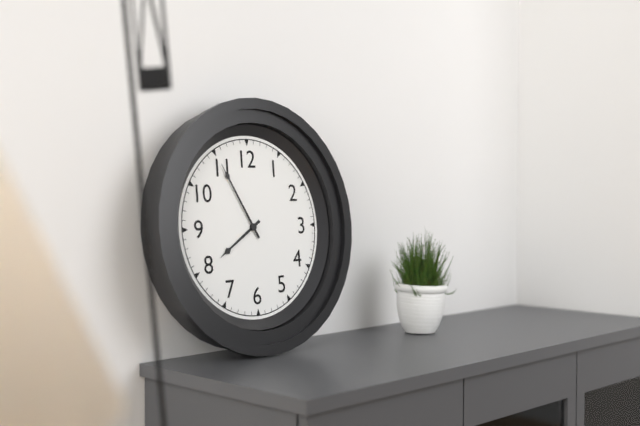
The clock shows 7:55
